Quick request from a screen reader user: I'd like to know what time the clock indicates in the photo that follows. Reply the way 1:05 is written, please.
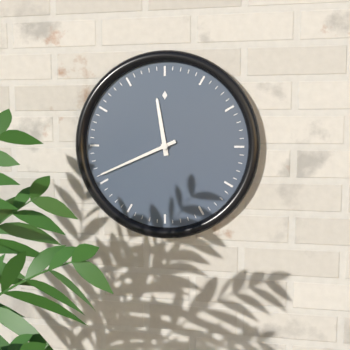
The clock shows 11:41
